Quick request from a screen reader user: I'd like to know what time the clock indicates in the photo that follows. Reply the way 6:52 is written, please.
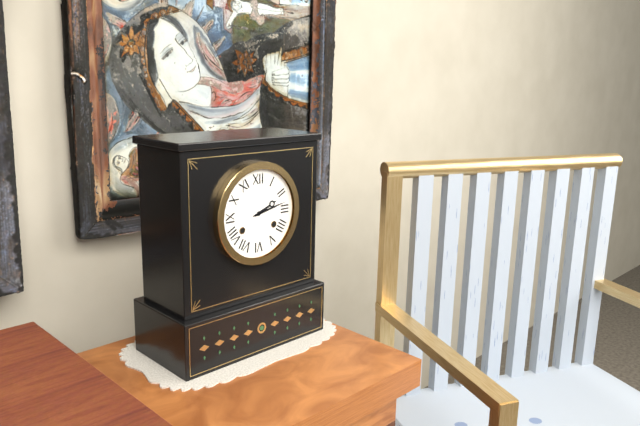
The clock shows 2:13
